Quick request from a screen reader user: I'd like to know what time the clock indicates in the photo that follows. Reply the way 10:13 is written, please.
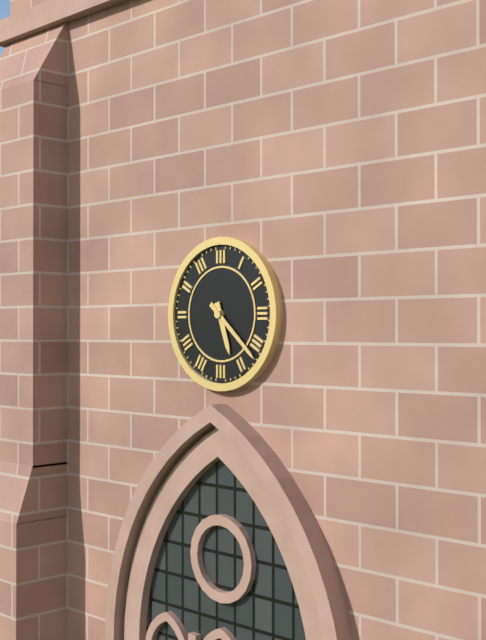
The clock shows 5:22
